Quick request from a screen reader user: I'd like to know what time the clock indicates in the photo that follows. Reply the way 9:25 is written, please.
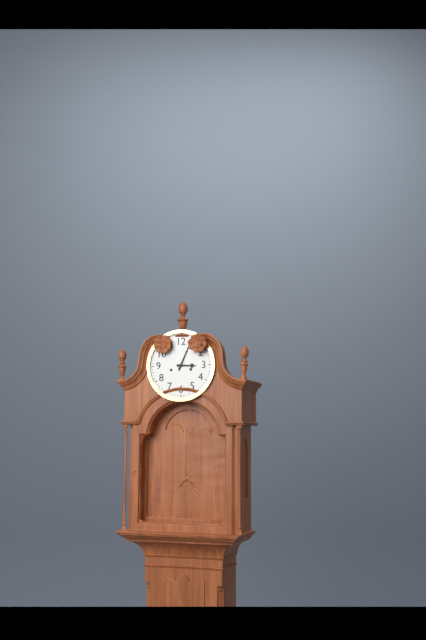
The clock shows 3:04
